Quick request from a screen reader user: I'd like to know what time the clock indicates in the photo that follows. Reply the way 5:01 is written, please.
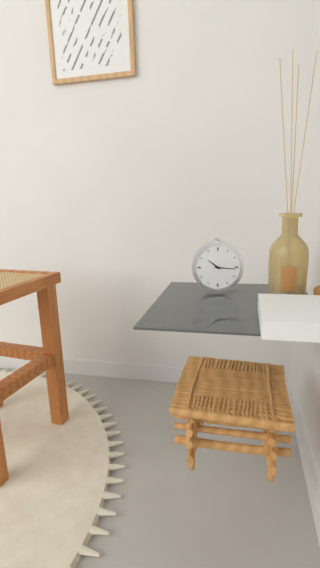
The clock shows 10:16
